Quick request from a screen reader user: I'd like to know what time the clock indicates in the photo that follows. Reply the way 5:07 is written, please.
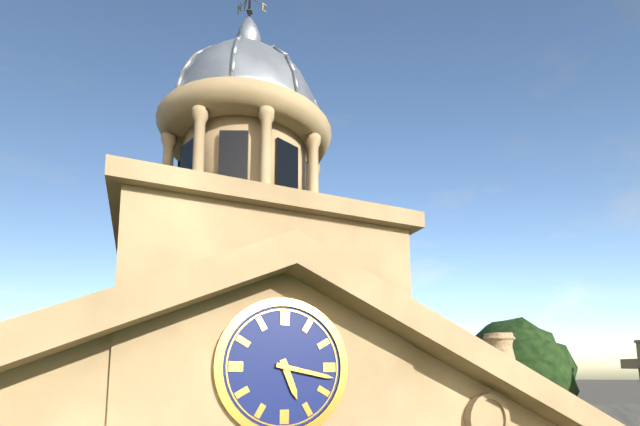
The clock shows 5:17
